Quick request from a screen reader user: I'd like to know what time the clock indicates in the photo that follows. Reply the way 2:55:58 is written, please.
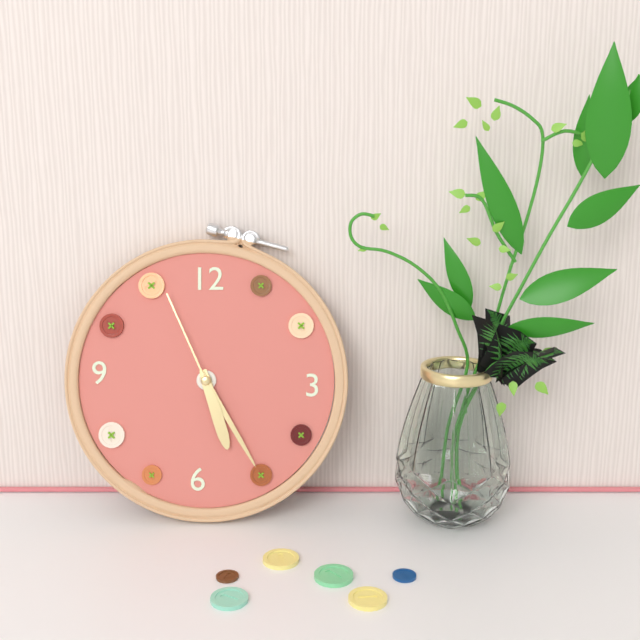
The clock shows 5:25:56
